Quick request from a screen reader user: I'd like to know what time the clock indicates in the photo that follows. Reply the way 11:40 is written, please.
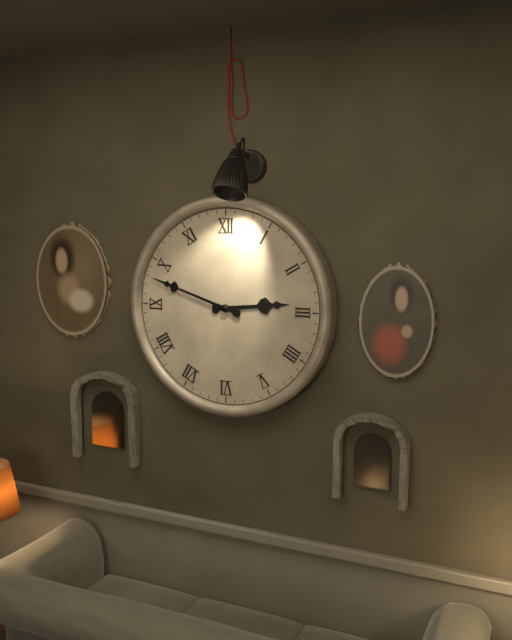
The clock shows 2:48
